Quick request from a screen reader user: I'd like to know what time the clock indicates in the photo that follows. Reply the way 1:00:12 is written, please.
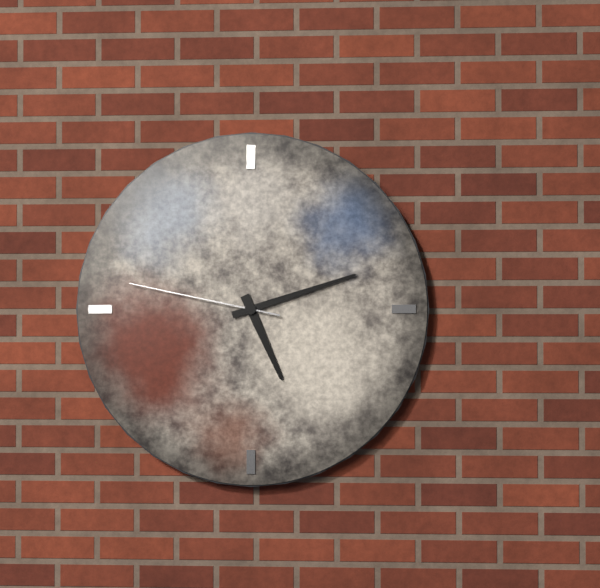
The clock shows 5:12:47
